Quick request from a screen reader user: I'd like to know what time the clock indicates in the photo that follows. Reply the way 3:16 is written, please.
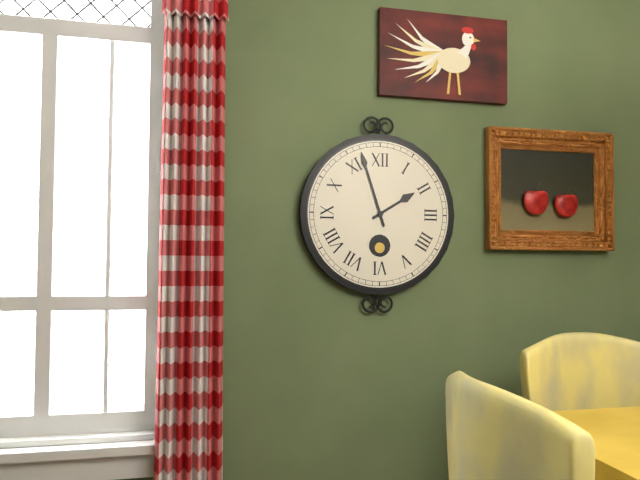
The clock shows 1:57
